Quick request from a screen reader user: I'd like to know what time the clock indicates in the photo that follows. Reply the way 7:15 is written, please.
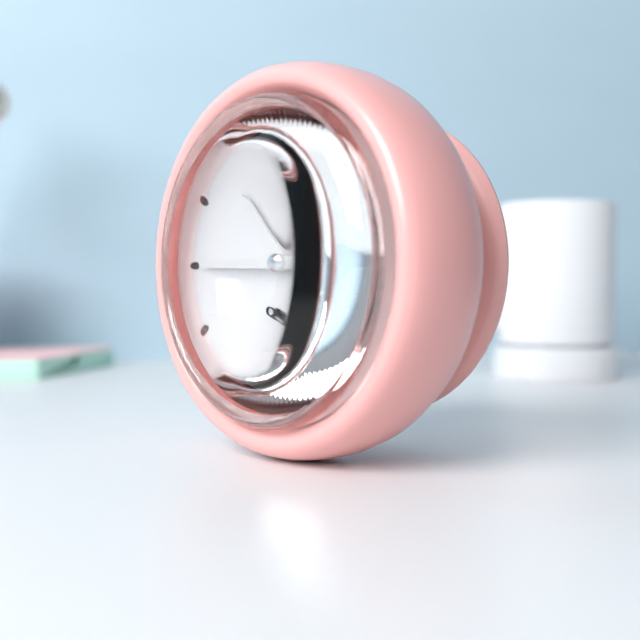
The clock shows 10:45
